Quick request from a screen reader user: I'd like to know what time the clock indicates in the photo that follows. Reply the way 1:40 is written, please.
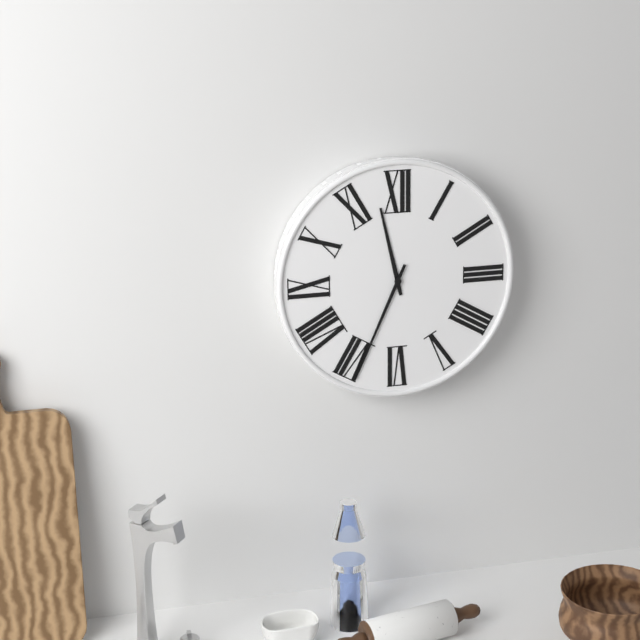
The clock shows 11:34
